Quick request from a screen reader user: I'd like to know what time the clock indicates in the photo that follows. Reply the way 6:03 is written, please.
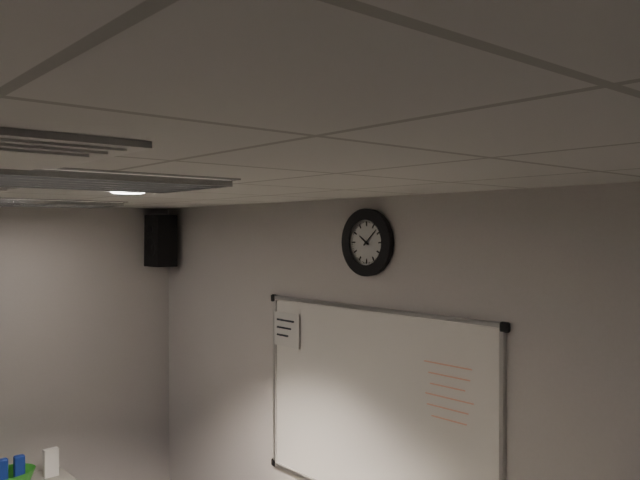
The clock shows 10:08
